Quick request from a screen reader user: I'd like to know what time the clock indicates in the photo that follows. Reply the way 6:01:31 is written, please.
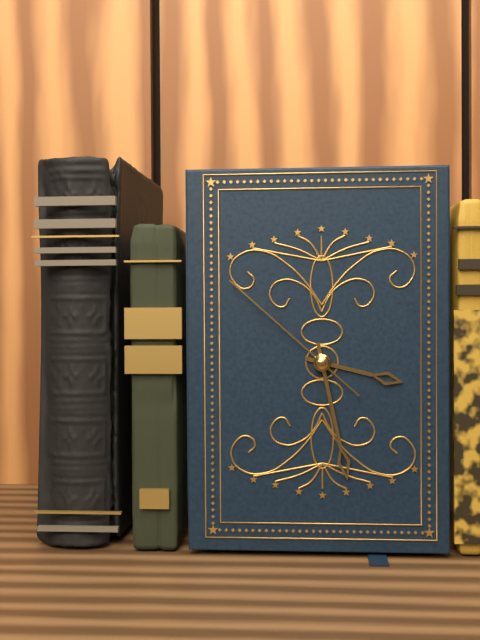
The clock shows 3:28:52
